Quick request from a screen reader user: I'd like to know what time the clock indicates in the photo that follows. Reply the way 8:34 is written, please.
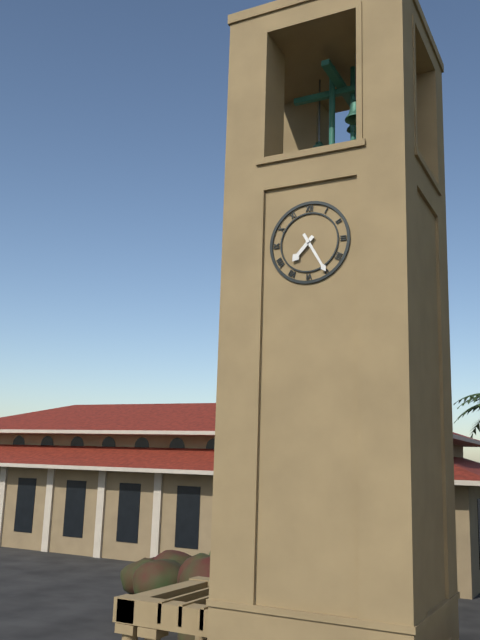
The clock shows 7:25
